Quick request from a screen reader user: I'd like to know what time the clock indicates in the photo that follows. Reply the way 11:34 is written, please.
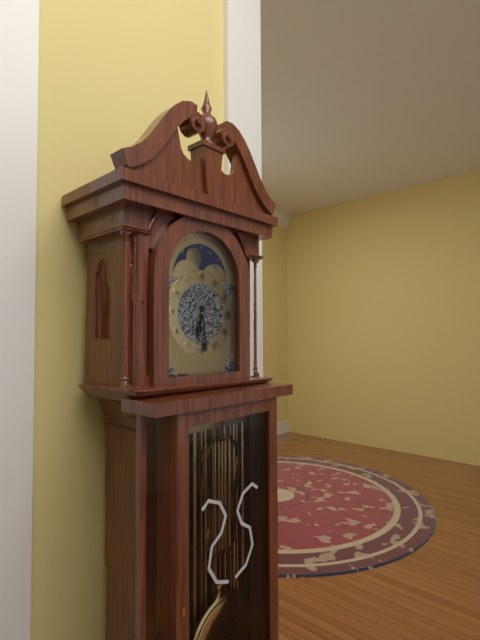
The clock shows 6:29
